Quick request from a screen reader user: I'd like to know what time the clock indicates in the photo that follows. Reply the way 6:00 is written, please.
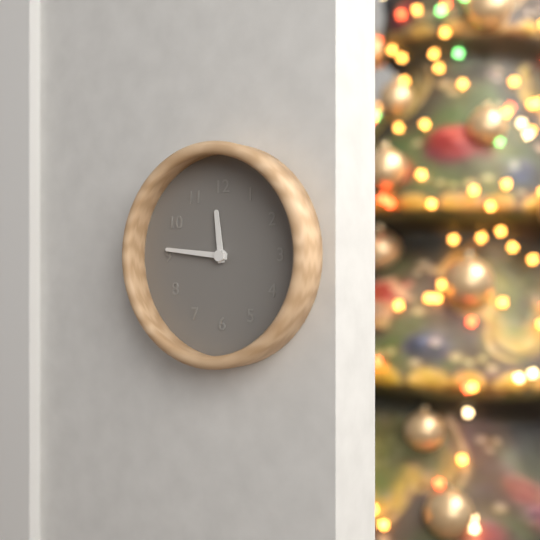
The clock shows 11:46
